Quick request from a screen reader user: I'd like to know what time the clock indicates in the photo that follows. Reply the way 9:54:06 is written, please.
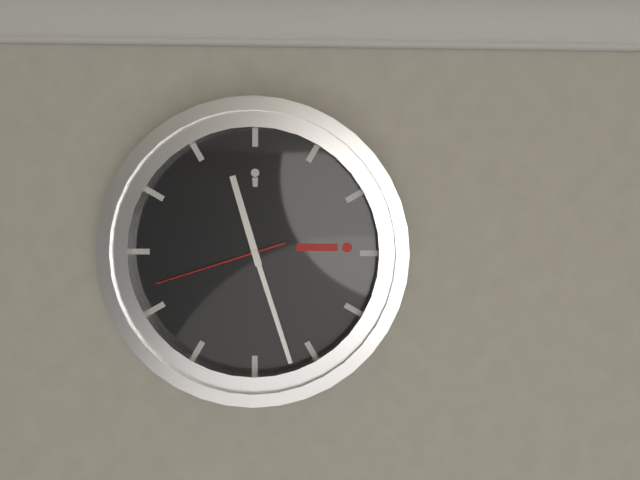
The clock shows 11:27:42
